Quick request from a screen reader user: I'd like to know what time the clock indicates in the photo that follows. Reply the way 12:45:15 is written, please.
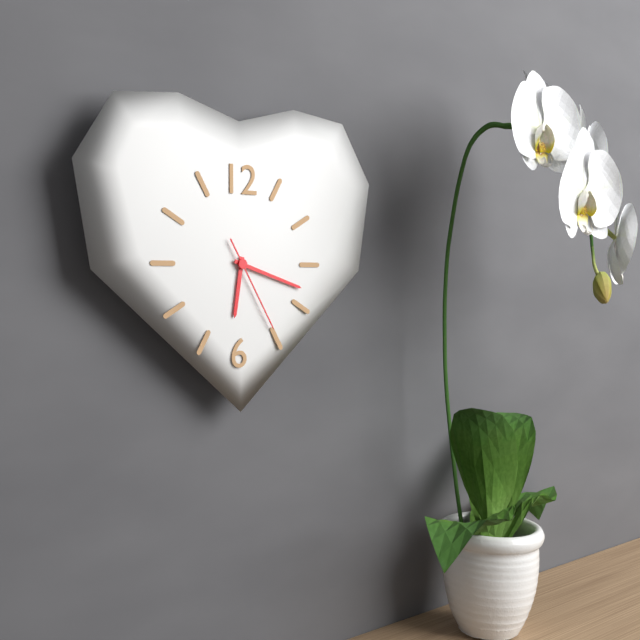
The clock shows 6:18:25
